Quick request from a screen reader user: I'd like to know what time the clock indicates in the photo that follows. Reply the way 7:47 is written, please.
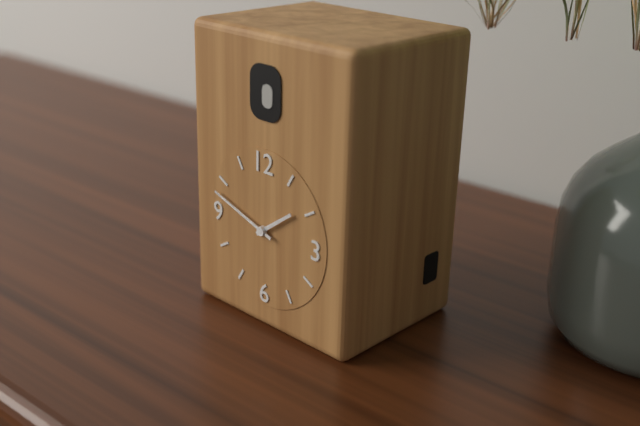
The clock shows 1:48
